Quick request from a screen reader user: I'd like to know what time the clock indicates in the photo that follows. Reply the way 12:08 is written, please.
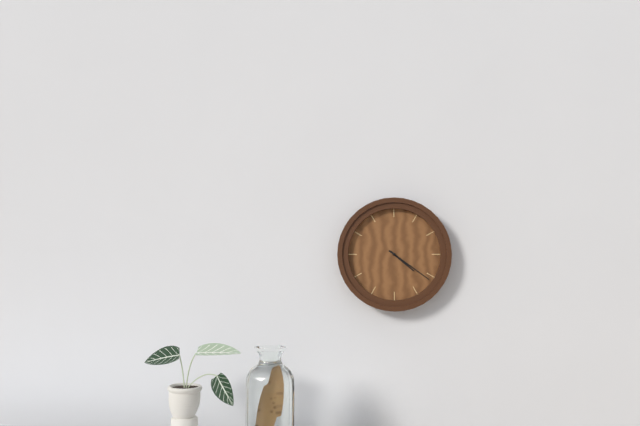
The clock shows 4:21
